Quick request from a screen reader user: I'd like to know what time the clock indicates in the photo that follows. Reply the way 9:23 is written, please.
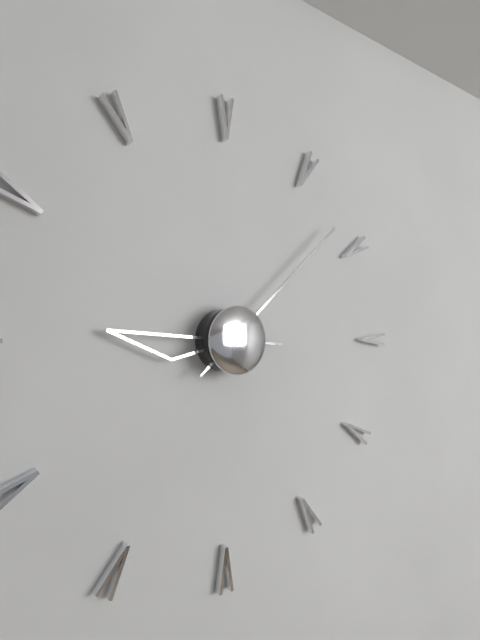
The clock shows 9:08
